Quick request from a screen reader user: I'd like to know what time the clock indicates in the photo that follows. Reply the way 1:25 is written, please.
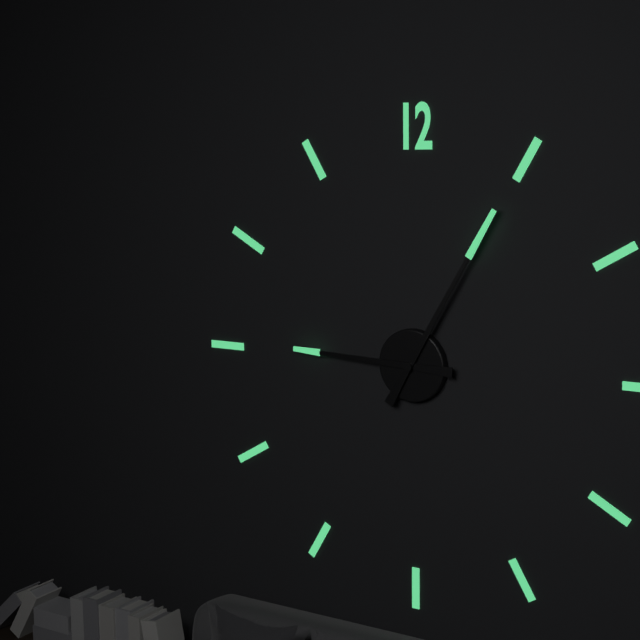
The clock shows 9:05
